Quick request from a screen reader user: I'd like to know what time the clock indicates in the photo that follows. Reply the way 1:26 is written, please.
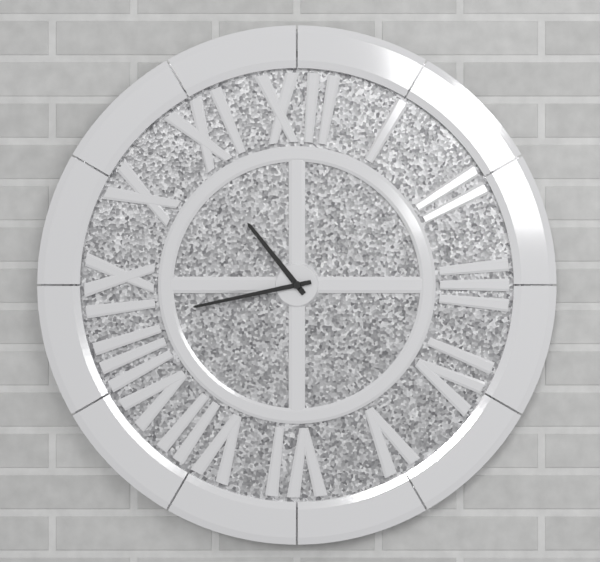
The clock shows 10:43
